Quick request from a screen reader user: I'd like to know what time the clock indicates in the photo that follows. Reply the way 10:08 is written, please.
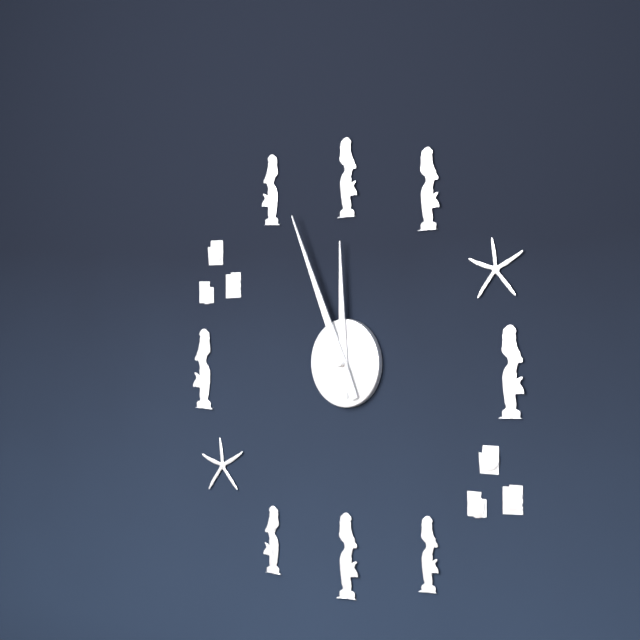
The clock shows 11:56
